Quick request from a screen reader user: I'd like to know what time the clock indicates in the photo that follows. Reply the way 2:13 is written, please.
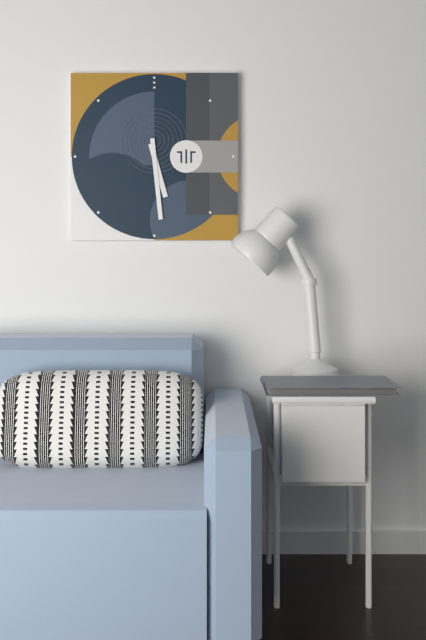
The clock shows 5:29
